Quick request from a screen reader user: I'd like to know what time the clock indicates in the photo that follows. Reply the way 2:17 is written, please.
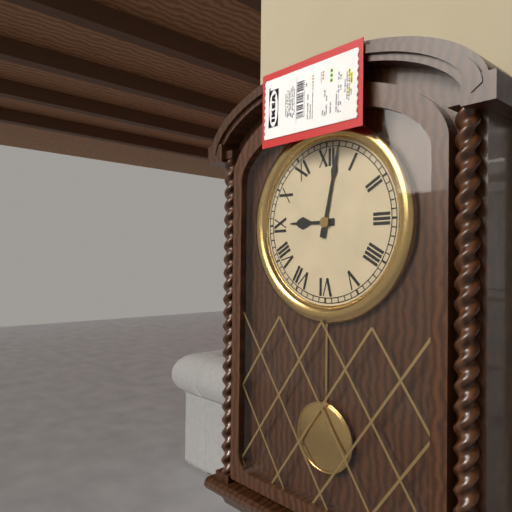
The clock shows 9:02
